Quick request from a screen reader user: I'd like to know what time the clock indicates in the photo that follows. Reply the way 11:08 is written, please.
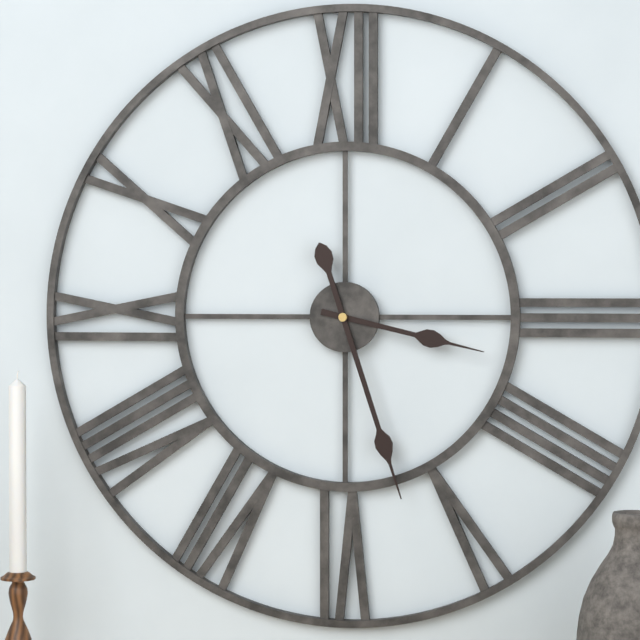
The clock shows 3:27
